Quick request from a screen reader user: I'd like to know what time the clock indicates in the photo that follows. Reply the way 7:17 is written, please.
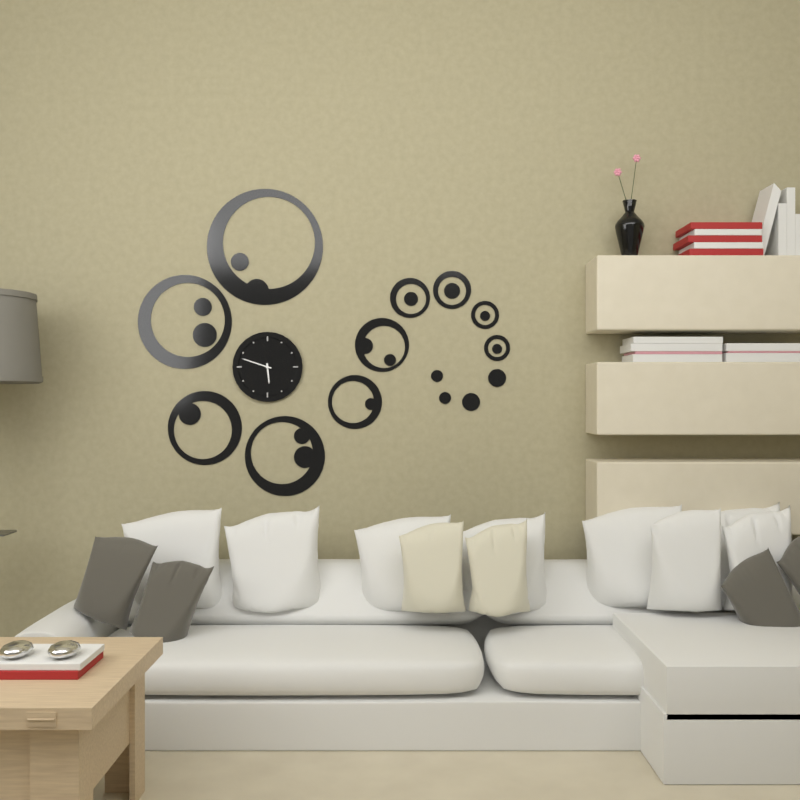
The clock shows 5:48
